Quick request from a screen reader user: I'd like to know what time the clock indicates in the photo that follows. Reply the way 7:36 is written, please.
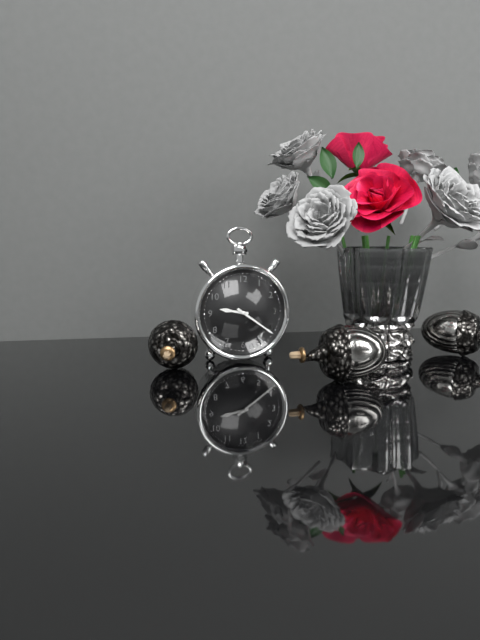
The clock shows 9:21
